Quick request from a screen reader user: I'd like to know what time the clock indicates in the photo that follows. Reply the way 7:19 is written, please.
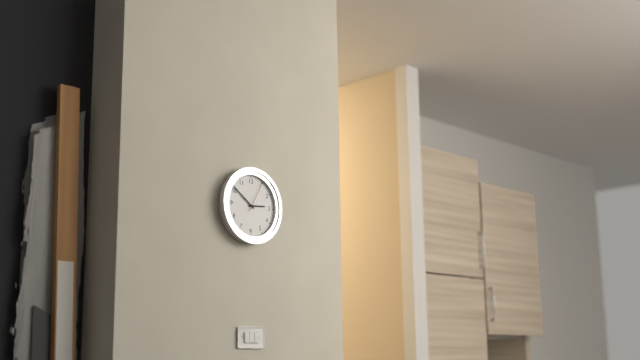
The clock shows 2:51
